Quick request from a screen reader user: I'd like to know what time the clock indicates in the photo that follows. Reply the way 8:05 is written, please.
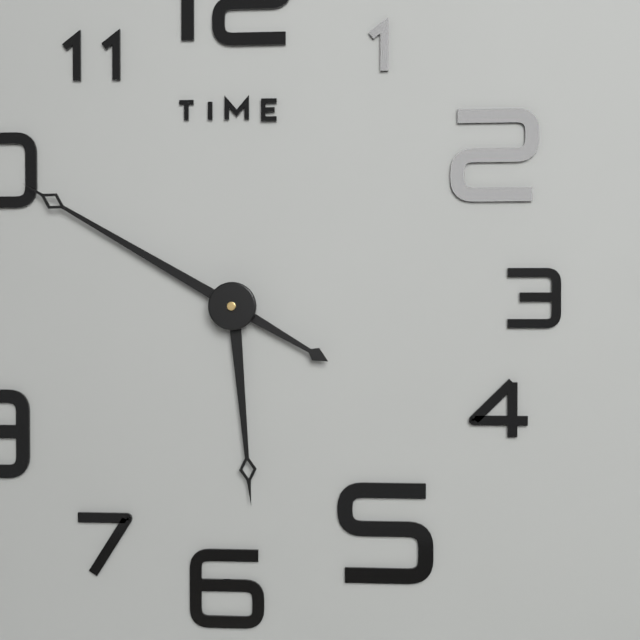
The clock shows 5:50
